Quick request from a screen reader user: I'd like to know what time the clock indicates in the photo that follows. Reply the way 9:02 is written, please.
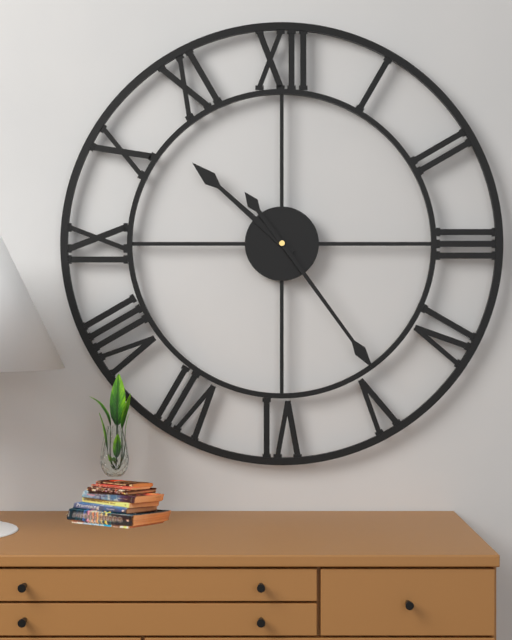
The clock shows 10:24
